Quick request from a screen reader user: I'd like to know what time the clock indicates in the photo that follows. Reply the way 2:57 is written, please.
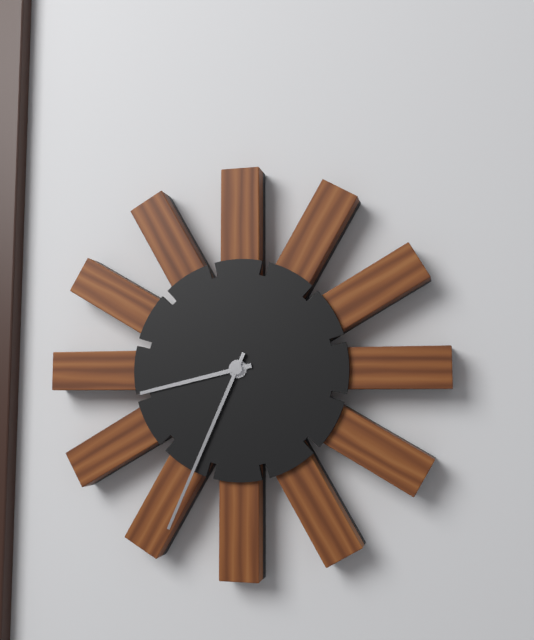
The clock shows 8:34
